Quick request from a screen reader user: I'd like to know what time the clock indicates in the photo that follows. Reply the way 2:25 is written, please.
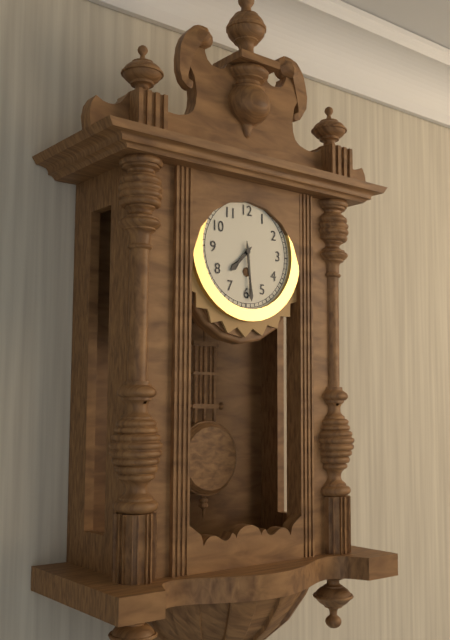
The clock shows 7:29
